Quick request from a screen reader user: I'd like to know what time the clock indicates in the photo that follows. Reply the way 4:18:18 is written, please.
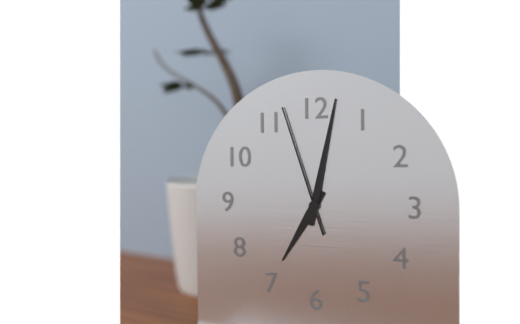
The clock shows 7:02:57
